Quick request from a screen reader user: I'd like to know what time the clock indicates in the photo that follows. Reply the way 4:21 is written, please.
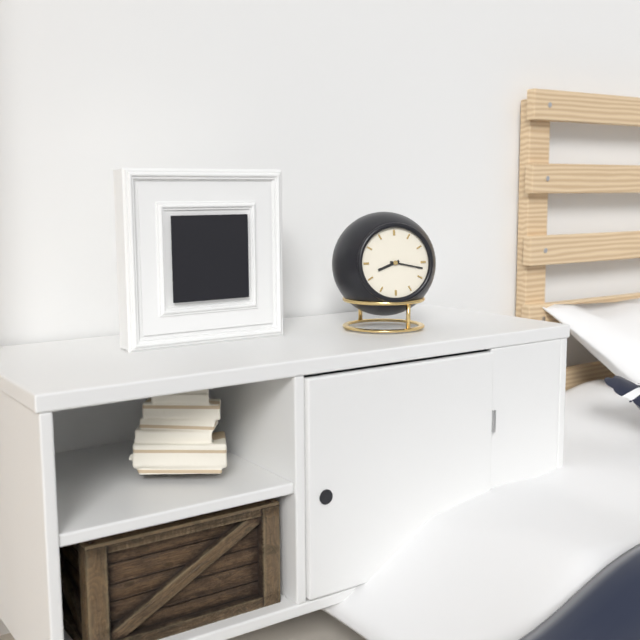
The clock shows 8:17
